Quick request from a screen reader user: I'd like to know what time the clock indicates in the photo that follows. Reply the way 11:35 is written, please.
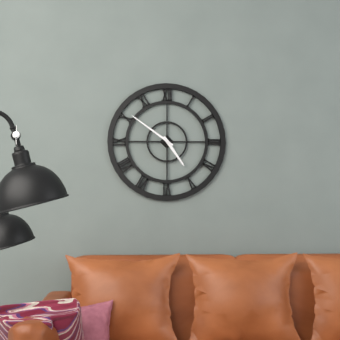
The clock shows 4:51
